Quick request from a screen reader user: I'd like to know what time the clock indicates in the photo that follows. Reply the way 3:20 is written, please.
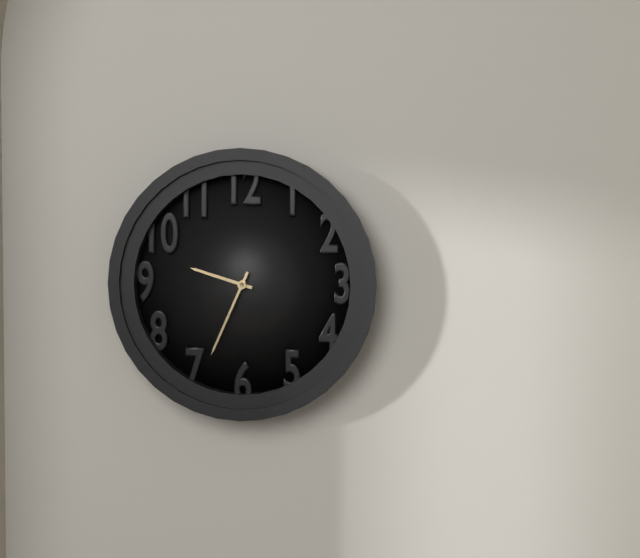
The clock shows 9:34
